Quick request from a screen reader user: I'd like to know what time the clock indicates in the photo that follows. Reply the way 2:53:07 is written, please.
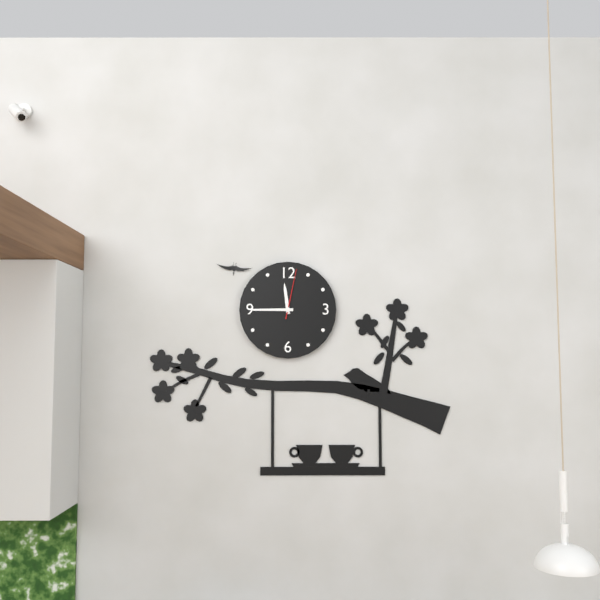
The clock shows 11:45:02
